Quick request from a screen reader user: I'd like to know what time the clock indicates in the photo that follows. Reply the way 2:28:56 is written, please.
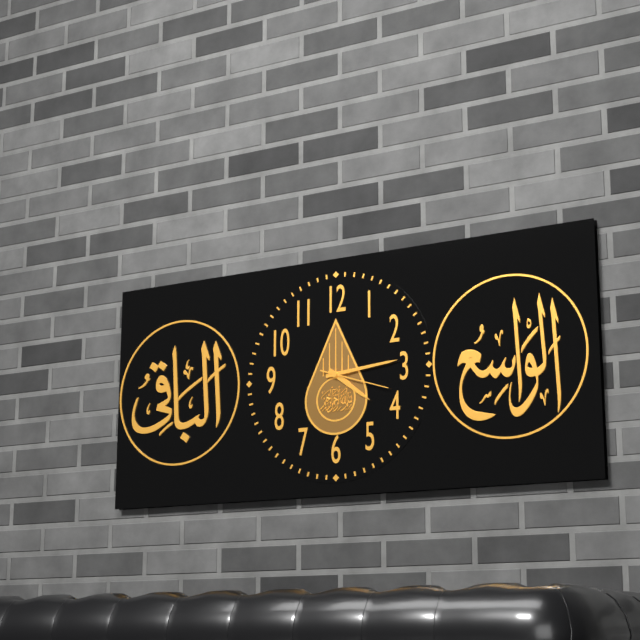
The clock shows 4:14:18
